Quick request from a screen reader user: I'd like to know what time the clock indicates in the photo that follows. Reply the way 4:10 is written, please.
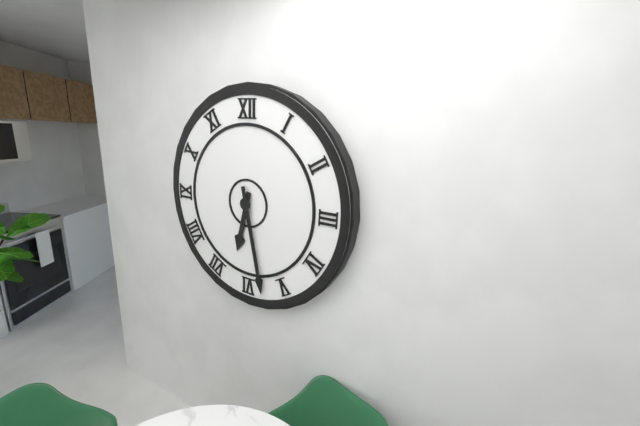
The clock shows 6:28
